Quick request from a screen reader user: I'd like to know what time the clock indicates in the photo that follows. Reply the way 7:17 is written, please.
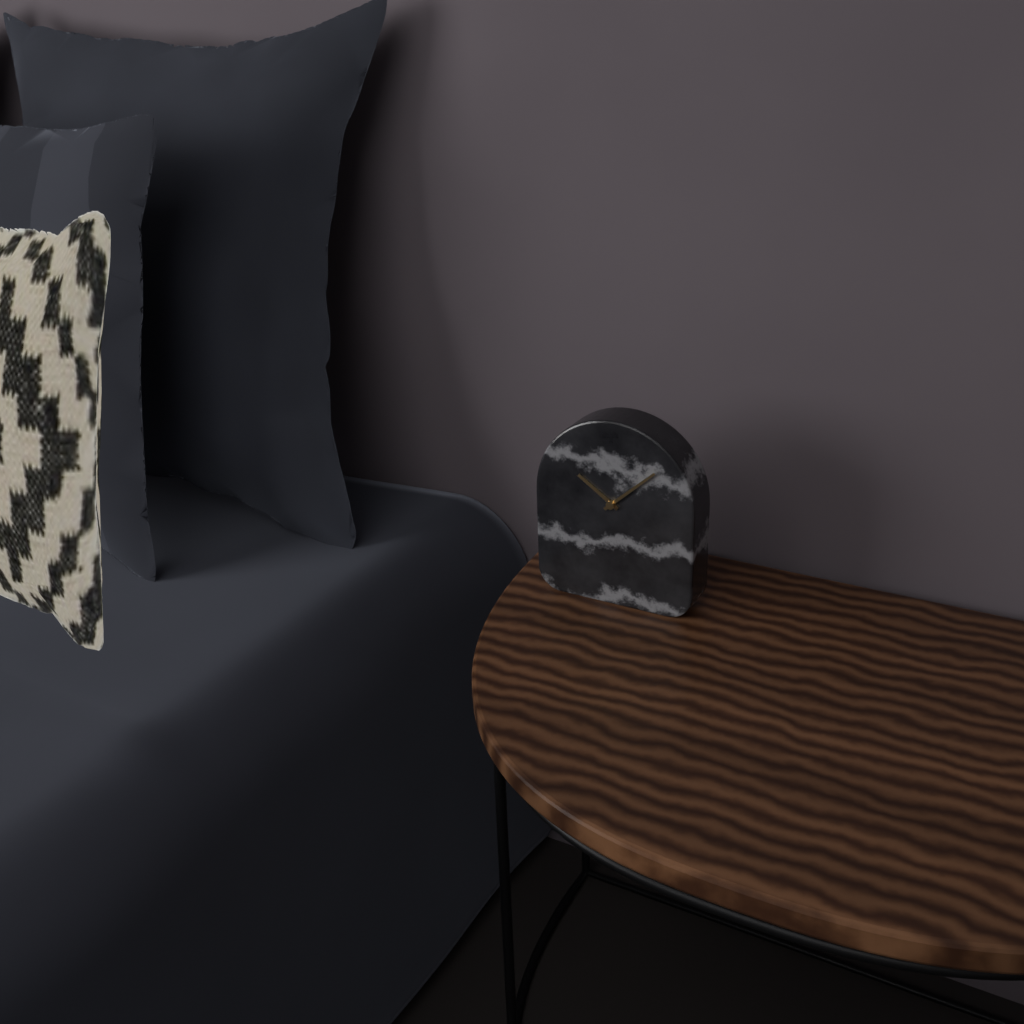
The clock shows 10:08
